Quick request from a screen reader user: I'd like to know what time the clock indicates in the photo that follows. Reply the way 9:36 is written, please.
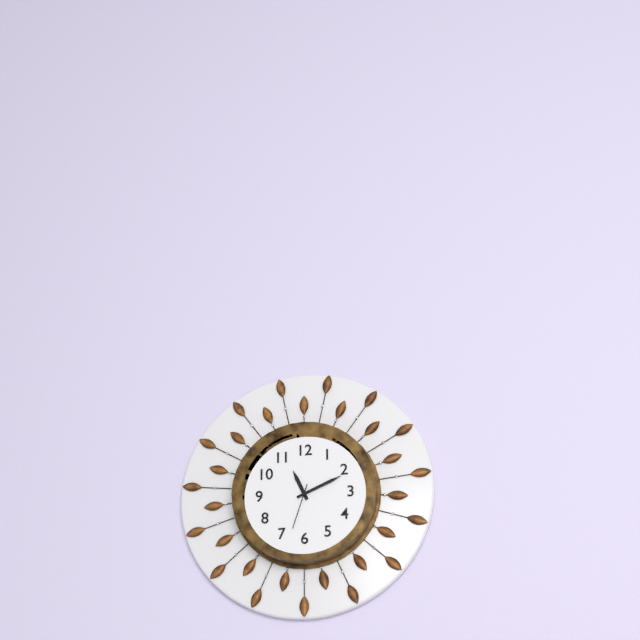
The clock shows 11:11
